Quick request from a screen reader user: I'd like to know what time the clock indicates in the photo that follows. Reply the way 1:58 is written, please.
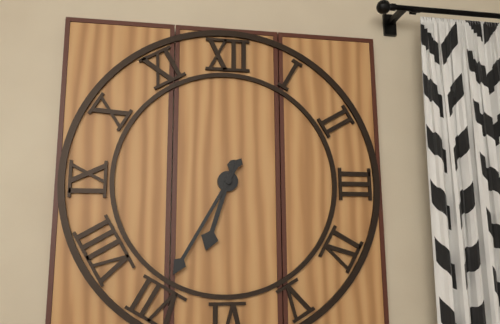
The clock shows 6:35
